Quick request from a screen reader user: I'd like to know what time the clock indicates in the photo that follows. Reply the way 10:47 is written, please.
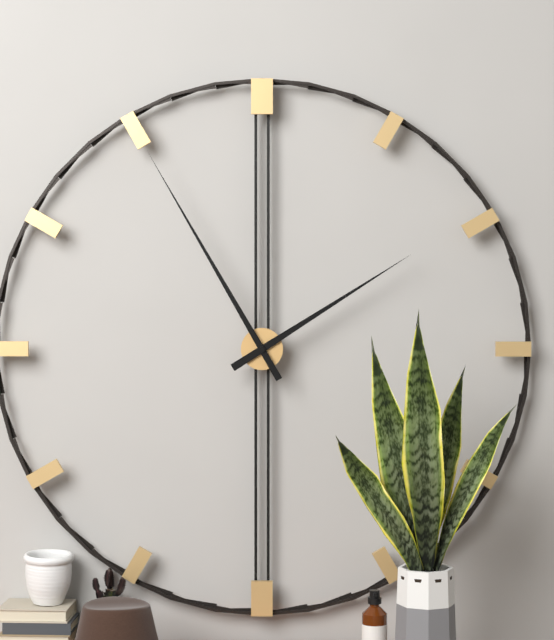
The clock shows 1:55
